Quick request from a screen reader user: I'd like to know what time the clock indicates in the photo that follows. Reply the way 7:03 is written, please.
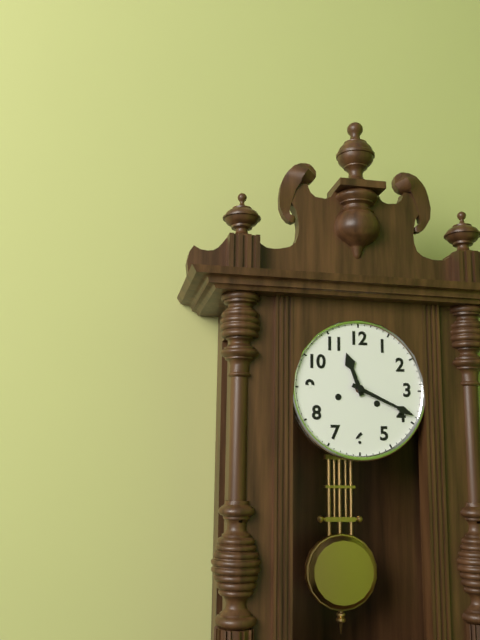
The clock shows 11:19
